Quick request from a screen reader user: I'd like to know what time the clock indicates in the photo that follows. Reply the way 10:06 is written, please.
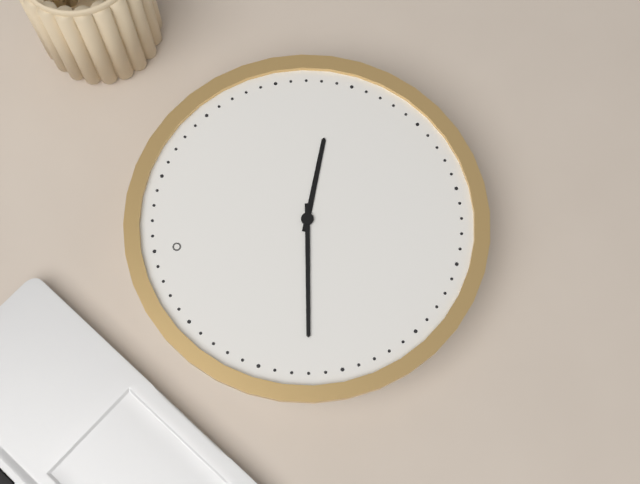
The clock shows 3:47
